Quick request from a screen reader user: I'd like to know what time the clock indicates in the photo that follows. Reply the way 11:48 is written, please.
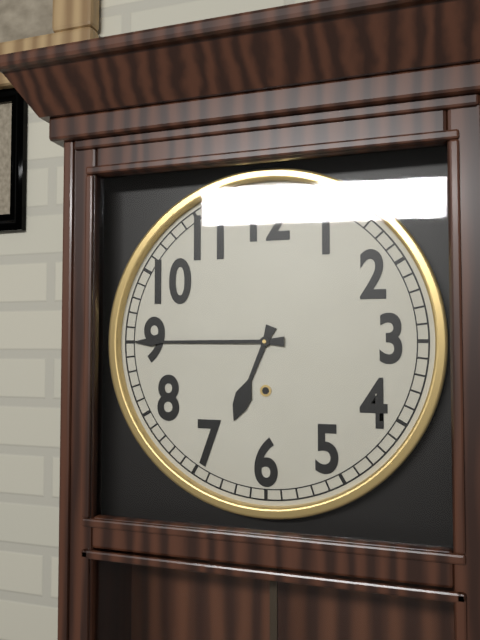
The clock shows 6:45
